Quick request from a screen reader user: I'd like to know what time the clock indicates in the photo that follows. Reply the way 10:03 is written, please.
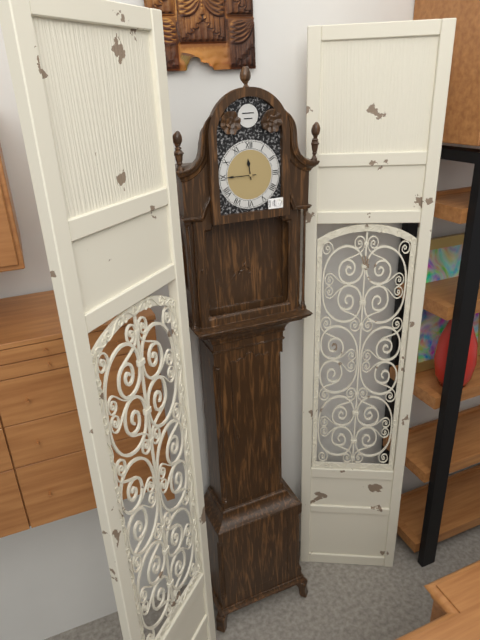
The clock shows 11:45
